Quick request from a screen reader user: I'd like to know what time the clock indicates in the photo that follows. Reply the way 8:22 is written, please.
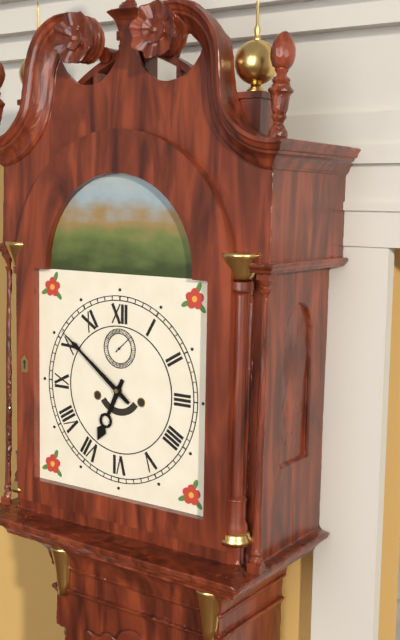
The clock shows 6:51
